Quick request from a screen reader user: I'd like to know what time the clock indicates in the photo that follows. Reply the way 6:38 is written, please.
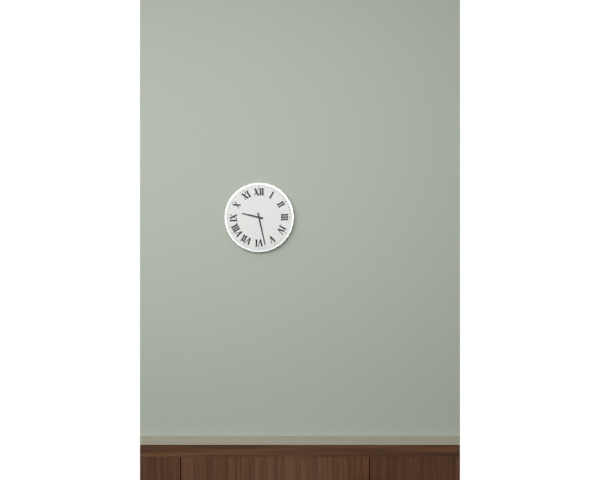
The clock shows 9:28
